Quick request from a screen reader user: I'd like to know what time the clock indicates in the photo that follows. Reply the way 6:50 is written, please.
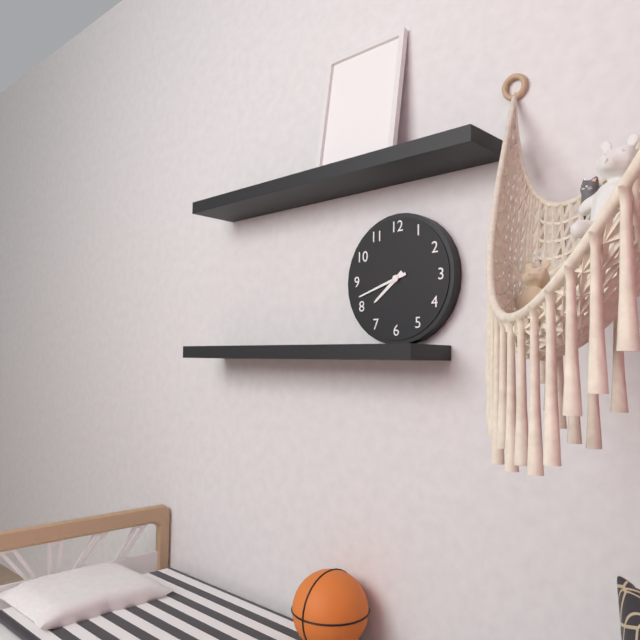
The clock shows 7:42
